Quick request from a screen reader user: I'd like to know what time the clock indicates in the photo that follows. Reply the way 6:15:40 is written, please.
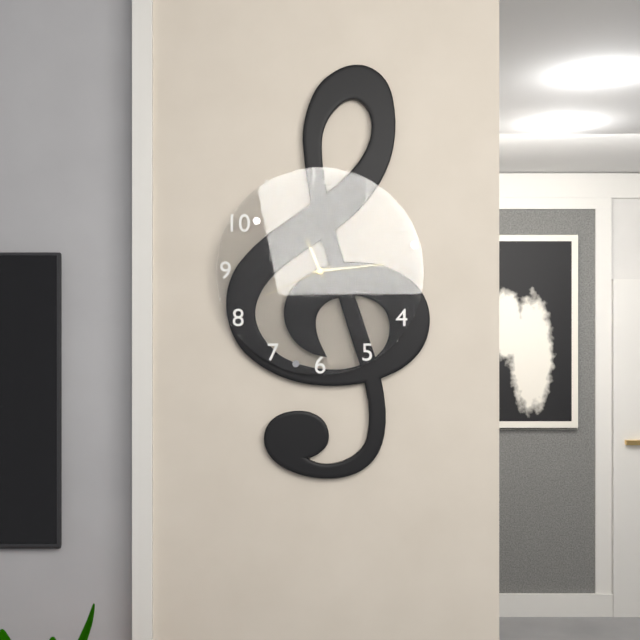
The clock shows 11:14:41
